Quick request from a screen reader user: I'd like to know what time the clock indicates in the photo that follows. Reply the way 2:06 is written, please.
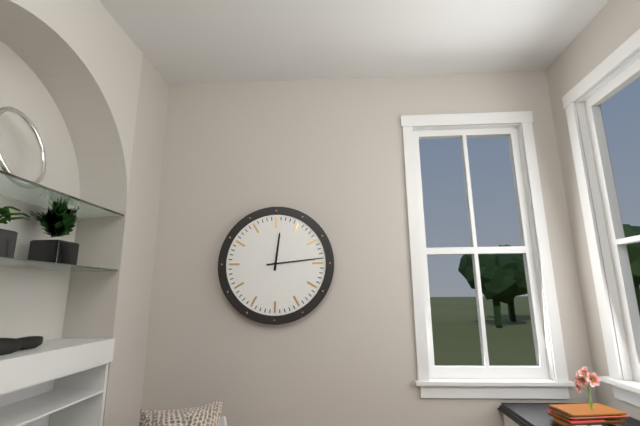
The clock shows 12:14
